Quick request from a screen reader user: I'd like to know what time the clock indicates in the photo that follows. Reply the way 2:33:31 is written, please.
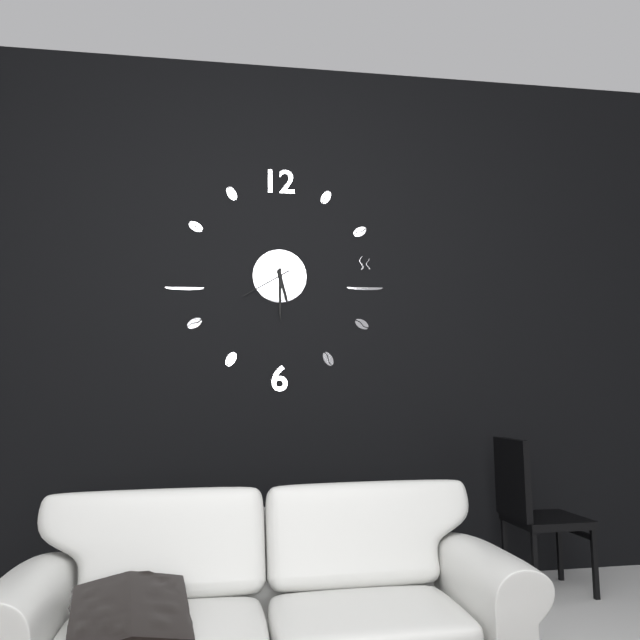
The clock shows 5:30:40
